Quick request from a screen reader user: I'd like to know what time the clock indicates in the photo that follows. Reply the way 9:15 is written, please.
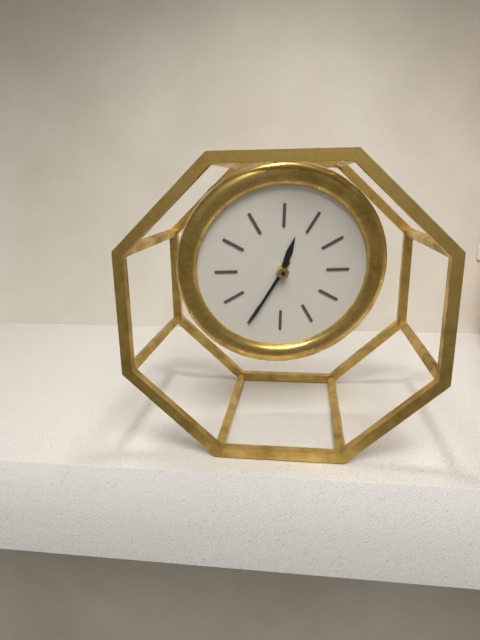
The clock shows 12:35
